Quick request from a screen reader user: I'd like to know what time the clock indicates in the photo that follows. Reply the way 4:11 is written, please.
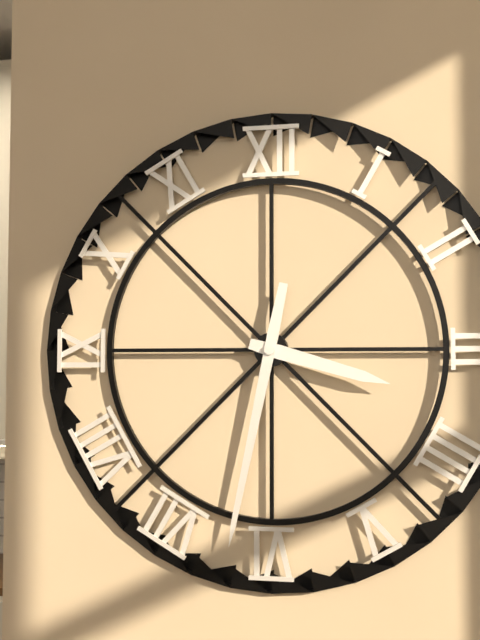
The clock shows 3:32
